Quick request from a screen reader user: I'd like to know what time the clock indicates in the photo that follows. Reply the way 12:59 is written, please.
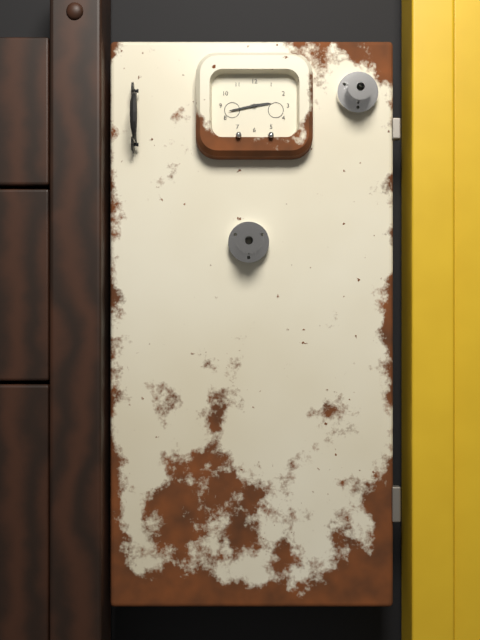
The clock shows 2:43
